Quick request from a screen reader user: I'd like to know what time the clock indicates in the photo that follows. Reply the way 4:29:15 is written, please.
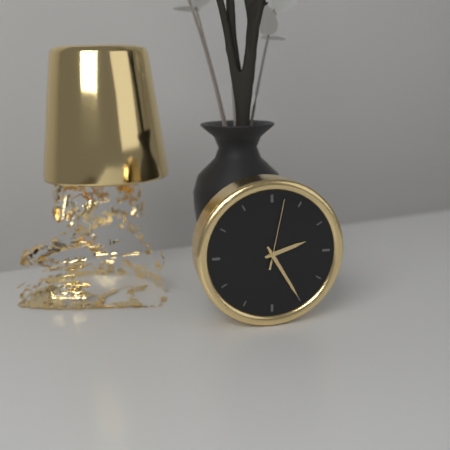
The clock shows 2:25:02
